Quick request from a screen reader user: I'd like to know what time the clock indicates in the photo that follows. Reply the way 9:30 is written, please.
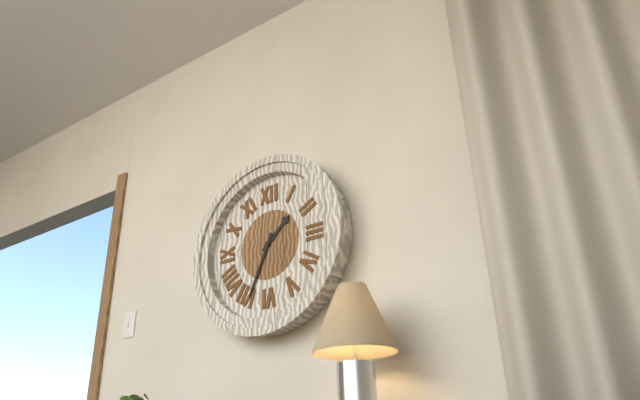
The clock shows 1:34
